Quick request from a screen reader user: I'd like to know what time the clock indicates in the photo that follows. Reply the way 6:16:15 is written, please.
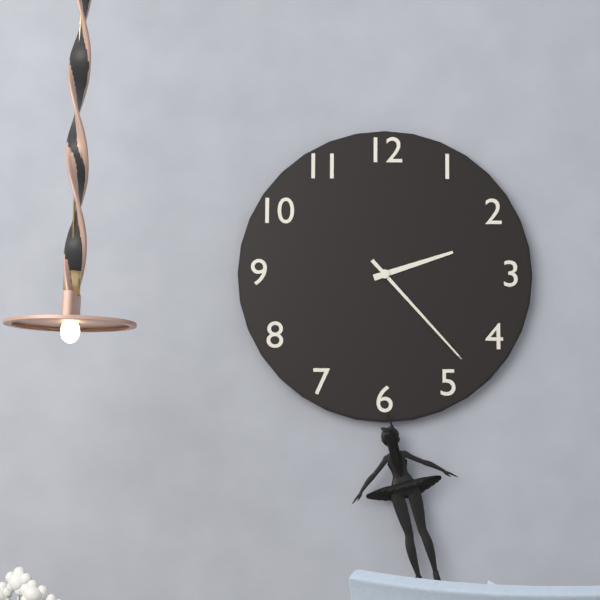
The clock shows 2:23:23
